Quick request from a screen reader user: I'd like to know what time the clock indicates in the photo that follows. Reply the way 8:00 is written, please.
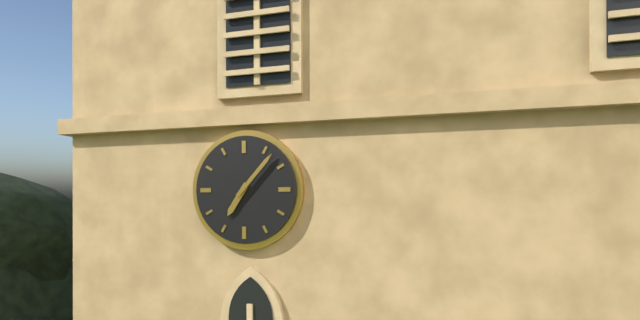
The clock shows 7:07
